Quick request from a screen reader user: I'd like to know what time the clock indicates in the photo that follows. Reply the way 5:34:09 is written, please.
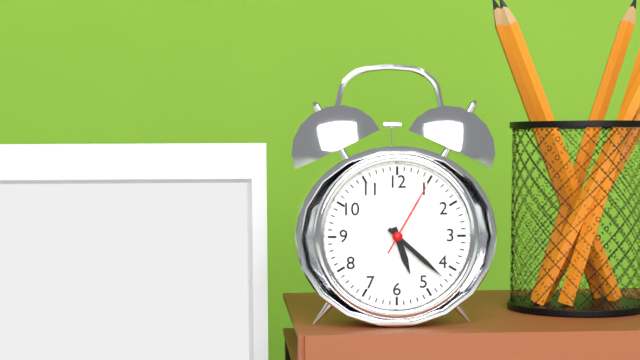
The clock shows 5:22:05
